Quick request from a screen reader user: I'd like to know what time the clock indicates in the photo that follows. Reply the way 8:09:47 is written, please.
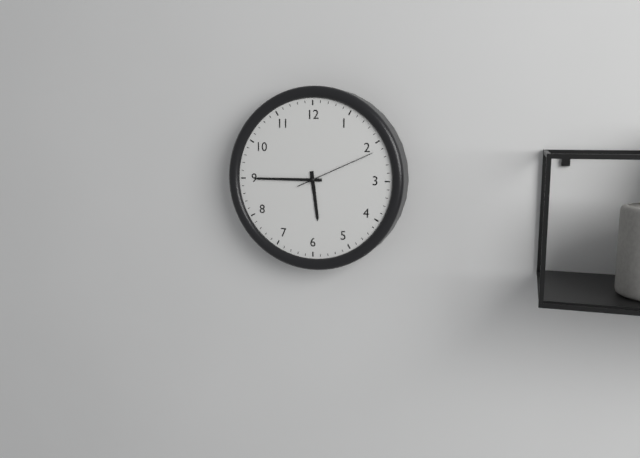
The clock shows 5:45:11
